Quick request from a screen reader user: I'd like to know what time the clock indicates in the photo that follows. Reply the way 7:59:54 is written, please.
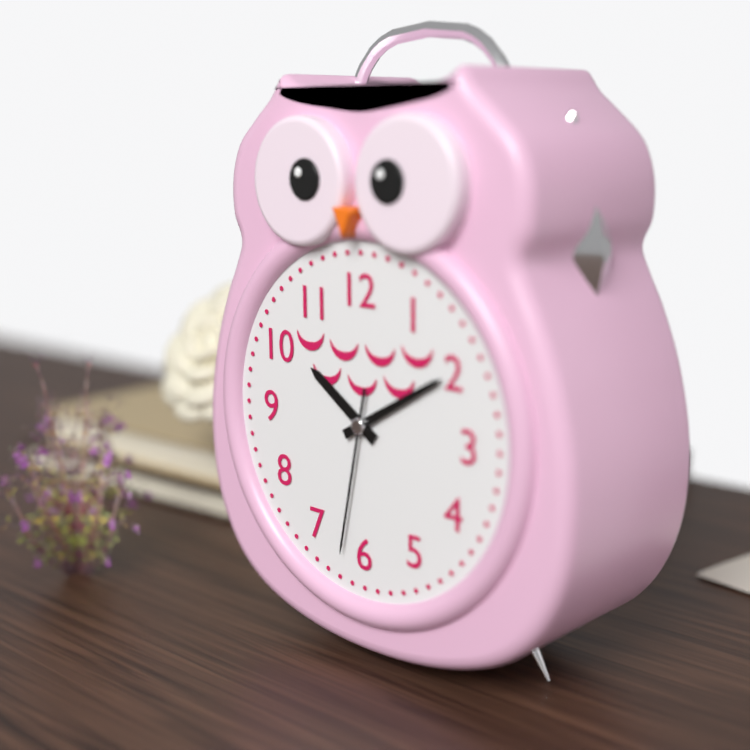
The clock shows 10:10:32
